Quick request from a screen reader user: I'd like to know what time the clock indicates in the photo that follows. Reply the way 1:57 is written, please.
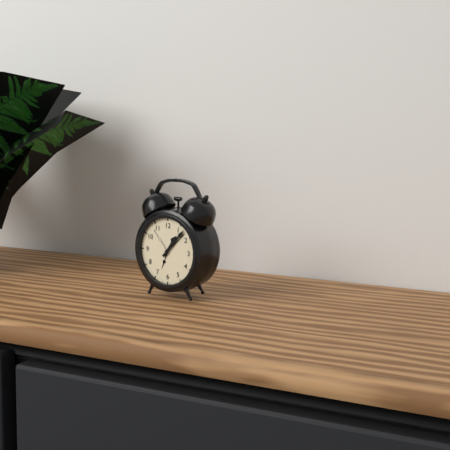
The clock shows 1:07
